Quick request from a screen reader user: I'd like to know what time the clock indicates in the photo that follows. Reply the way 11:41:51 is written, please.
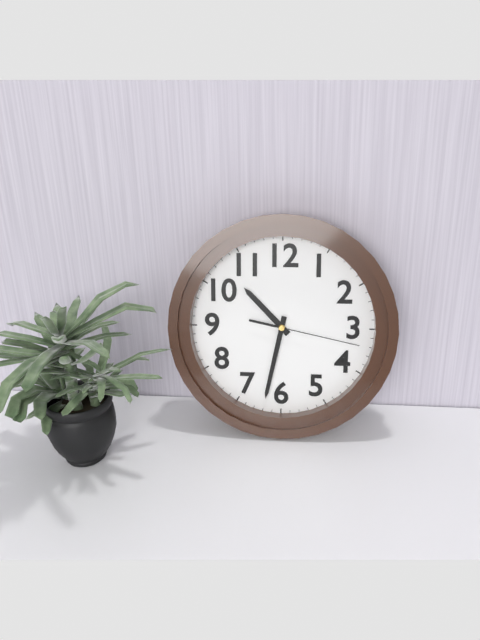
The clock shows 10:32:17
